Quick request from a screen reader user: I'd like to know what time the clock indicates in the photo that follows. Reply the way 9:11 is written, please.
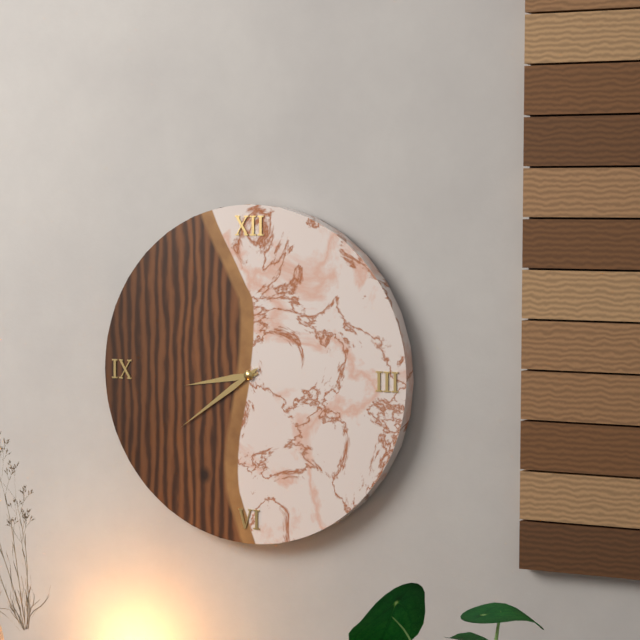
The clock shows 8:39
